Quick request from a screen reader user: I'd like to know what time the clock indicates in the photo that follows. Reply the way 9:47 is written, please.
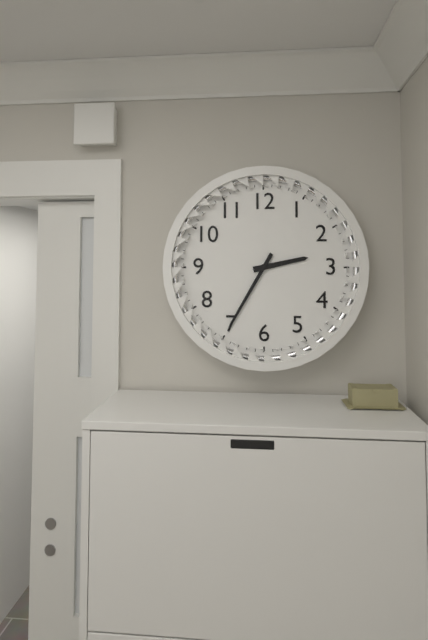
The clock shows 2:35
